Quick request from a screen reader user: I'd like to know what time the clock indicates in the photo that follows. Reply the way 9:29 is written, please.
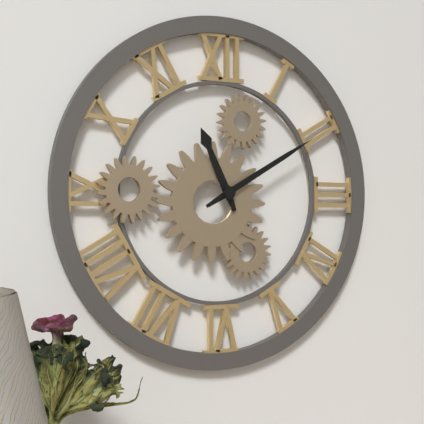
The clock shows 11:10
